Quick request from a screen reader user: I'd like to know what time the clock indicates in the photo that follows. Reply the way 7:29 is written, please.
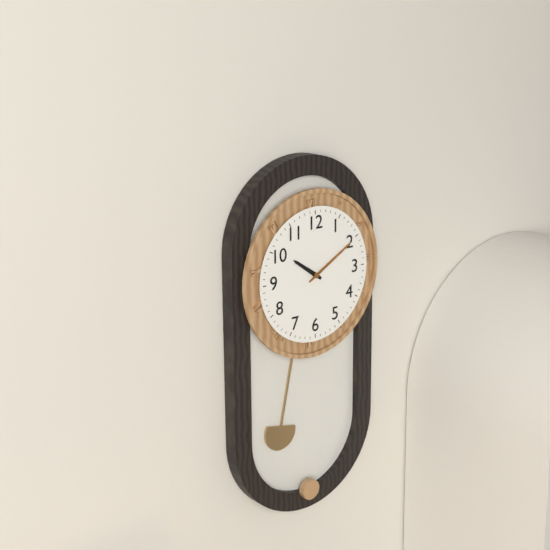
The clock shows 10:10
